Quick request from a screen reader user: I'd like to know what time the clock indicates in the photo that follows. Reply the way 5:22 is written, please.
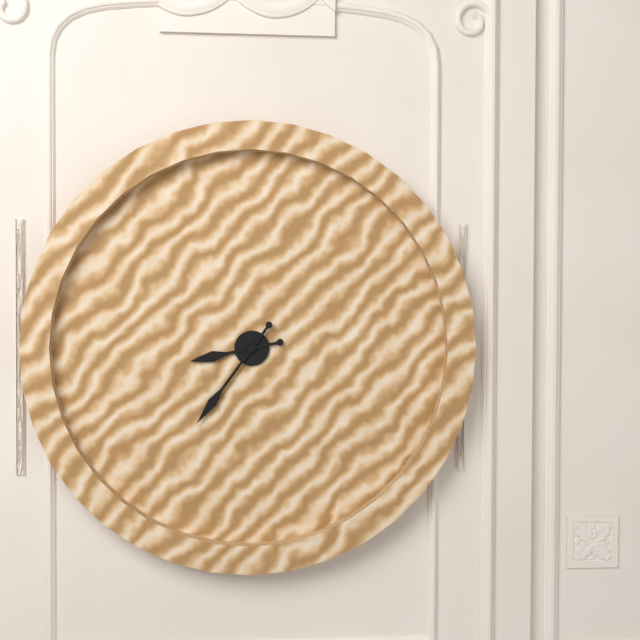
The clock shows 8:36
